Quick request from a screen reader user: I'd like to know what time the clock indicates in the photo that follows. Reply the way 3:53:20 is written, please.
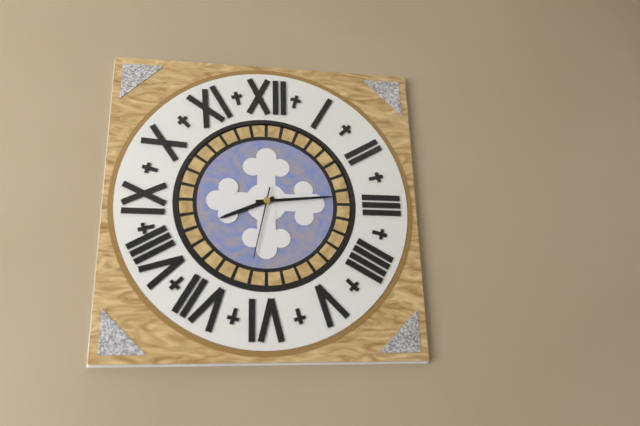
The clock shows 8:14:32
